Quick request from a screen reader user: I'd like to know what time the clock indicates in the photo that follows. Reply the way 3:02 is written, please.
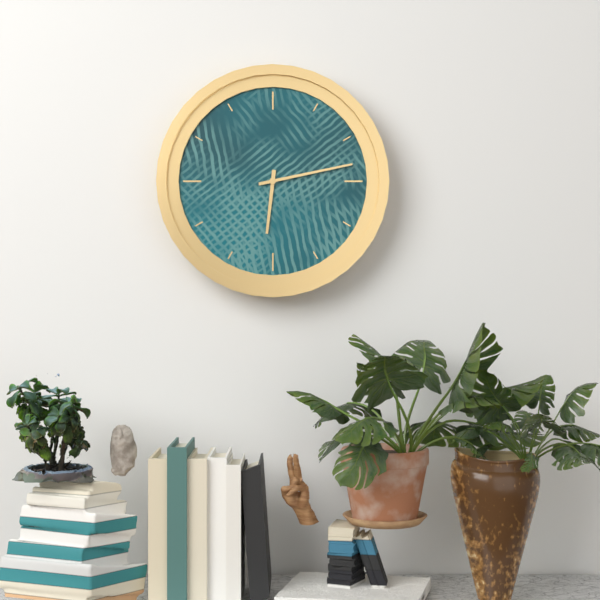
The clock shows 6:13
